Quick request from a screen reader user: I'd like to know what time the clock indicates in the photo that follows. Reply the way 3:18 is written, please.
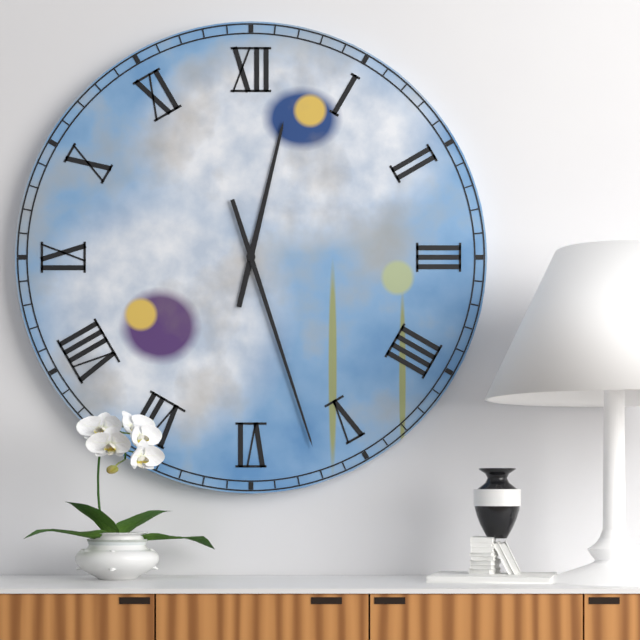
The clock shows 12:27
